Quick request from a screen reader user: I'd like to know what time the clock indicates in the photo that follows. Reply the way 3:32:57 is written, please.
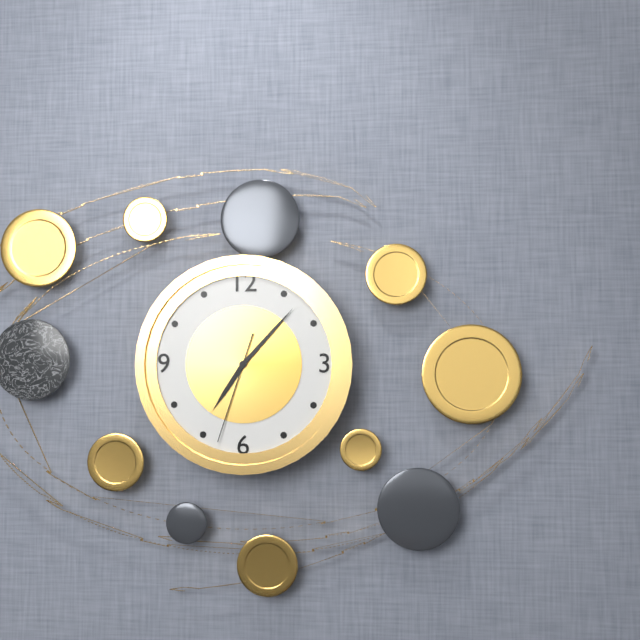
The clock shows 7:07:33
